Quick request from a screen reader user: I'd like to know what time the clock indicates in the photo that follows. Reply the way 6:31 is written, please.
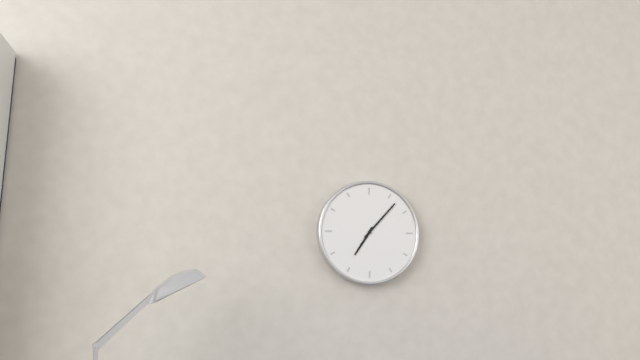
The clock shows 7:07
